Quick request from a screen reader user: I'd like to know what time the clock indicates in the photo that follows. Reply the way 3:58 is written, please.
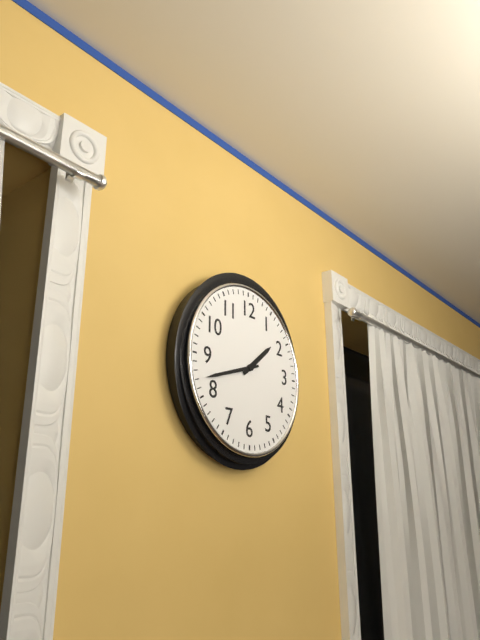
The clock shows 1:42
